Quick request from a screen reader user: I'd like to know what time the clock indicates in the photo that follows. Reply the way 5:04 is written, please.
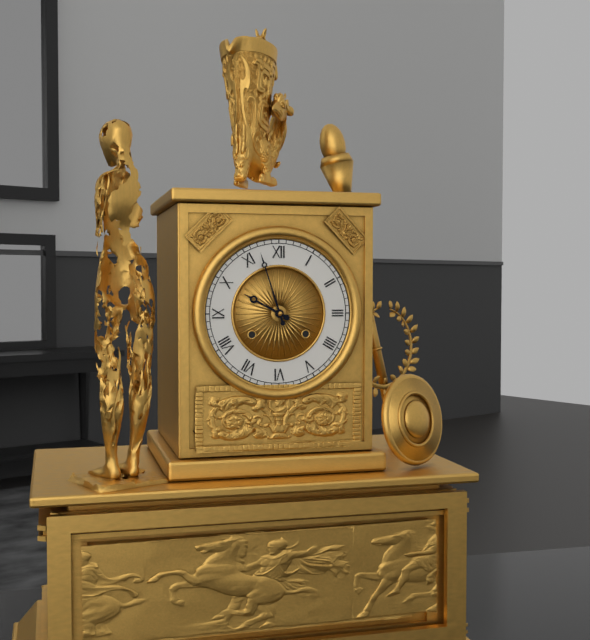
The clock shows 9:57
